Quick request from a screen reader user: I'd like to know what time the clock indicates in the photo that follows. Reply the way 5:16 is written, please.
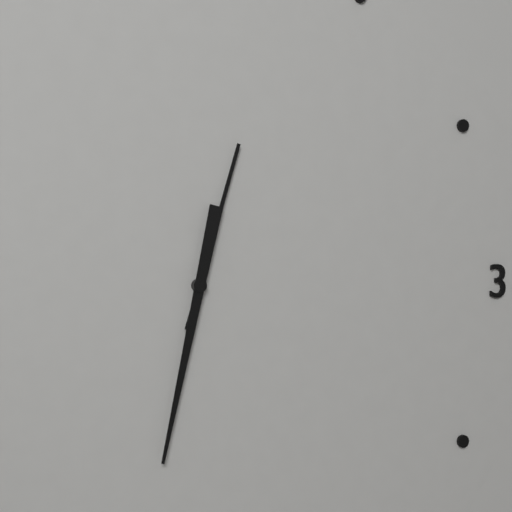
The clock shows 12:32
